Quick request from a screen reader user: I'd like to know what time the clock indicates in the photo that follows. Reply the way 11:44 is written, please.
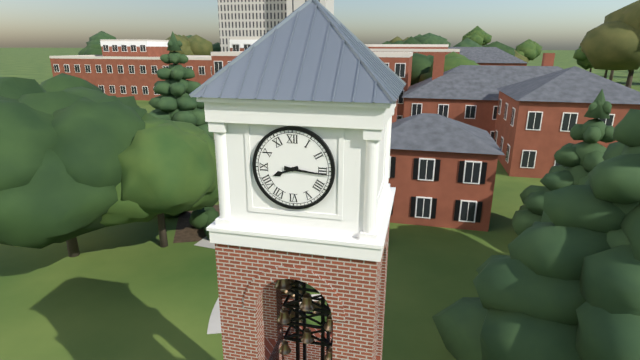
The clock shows 8:16
